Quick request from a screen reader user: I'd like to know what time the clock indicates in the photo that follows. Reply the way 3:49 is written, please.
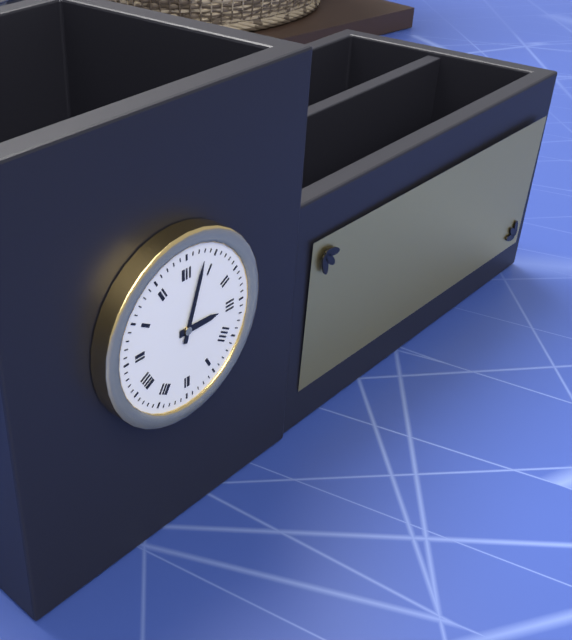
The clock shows 3:03
